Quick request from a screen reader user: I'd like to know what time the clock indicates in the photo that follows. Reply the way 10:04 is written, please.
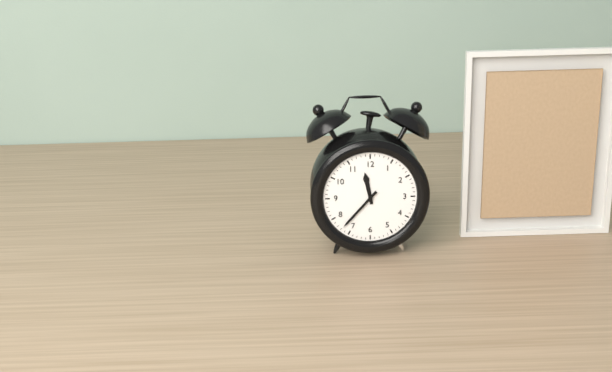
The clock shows 11:37
